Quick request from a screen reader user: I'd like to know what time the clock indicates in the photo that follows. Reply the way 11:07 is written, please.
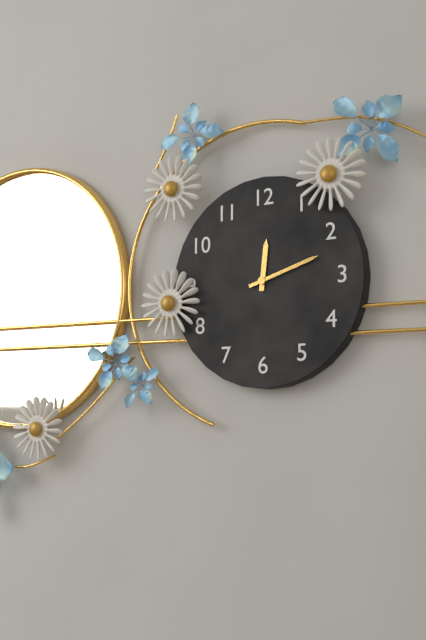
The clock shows 12:12
